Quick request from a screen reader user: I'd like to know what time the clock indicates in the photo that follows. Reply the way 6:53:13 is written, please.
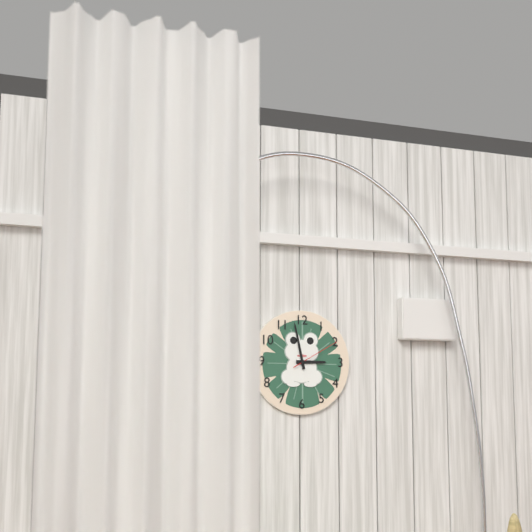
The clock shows 2:58:10
